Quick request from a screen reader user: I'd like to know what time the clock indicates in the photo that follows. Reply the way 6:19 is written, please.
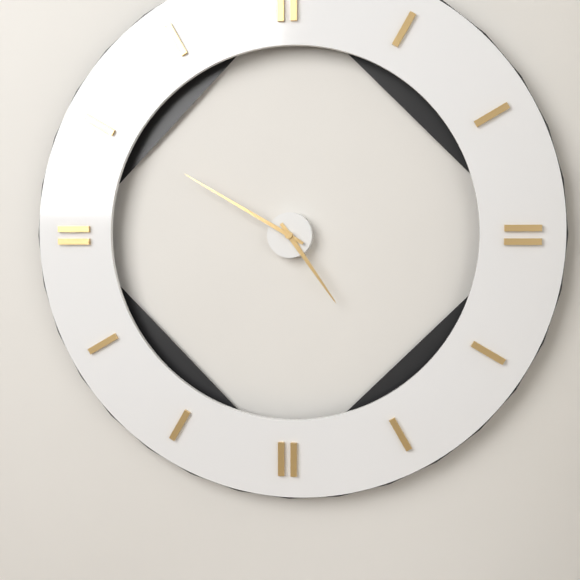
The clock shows 4:50
